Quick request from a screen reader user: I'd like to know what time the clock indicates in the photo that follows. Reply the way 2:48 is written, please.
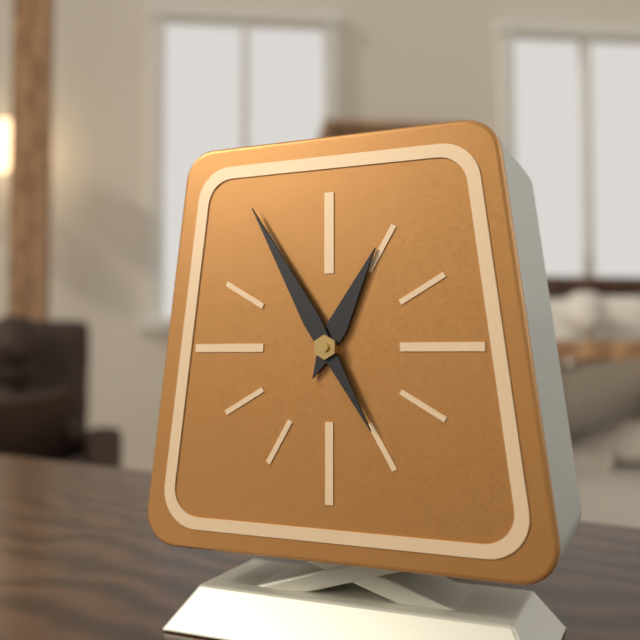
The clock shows 12:55
